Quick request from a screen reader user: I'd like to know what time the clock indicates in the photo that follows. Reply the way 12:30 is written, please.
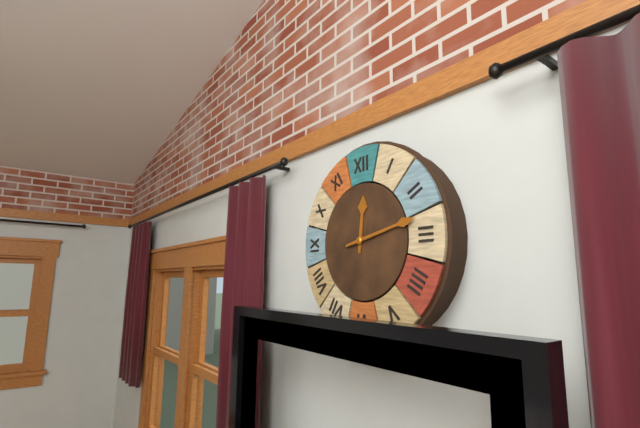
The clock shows 12:13
